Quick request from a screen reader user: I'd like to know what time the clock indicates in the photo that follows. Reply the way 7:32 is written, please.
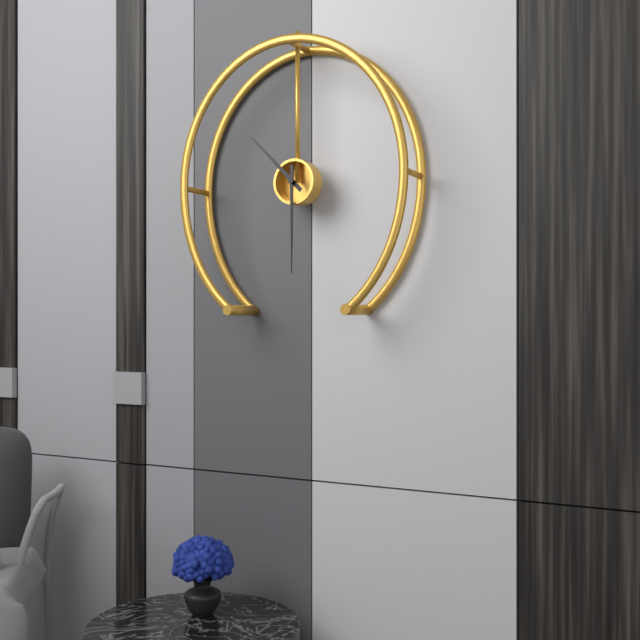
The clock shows 10:30
